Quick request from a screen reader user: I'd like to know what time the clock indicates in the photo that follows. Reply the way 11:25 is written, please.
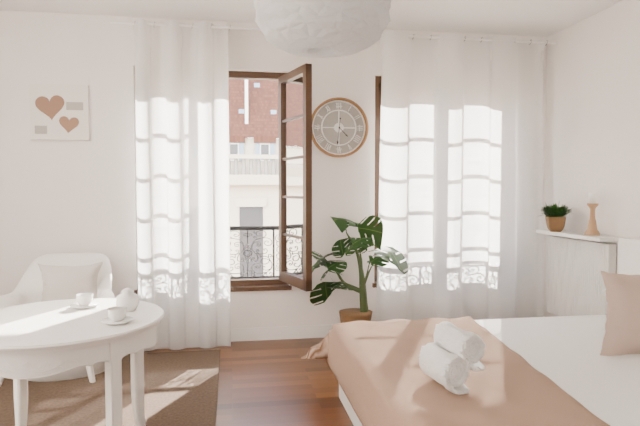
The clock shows 4:31
